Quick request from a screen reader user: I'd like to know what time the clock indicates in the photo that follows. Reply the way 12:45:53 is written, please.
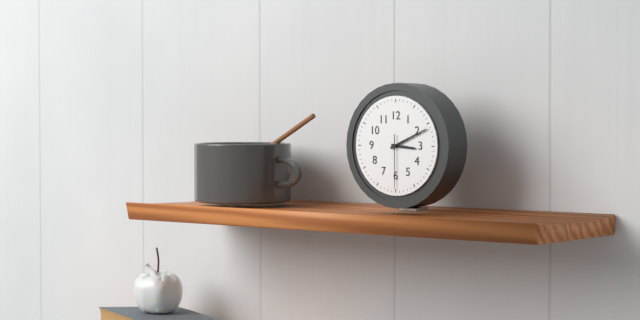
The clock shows 3:11:30
